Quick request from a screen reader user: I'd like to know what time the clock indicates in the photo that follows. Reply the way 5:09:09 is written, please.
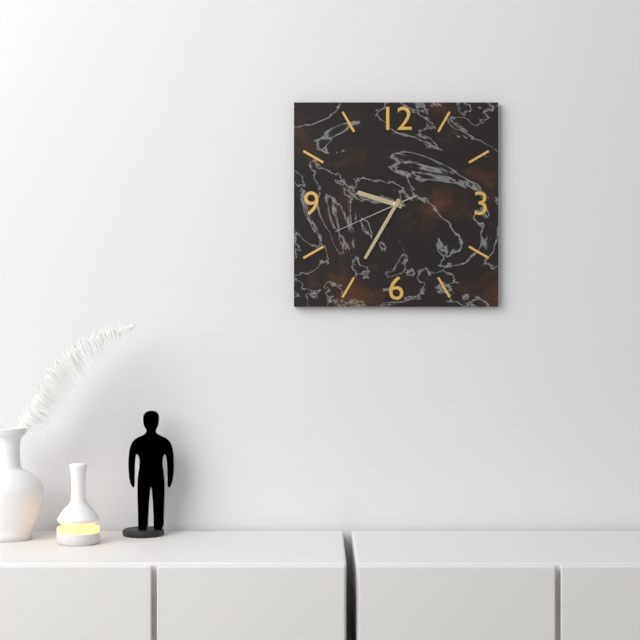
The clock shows 9:35:41
